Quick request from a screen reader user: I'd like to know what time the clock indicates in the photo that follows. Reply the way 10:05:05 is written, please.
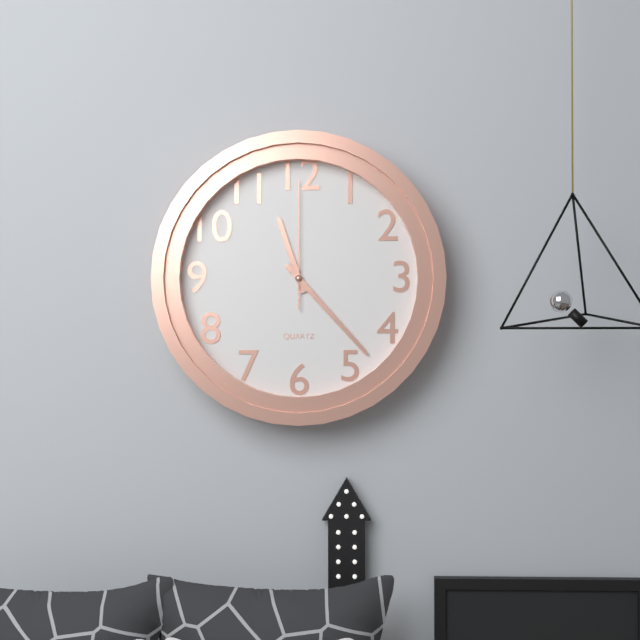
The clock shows 11:23:00
